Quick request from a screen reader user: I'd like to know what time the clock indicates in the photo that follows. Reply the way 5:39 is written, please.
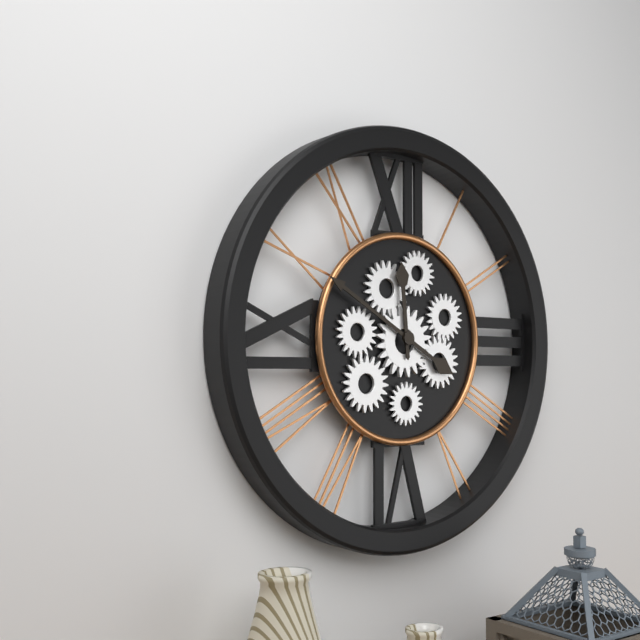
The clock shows 11:50
